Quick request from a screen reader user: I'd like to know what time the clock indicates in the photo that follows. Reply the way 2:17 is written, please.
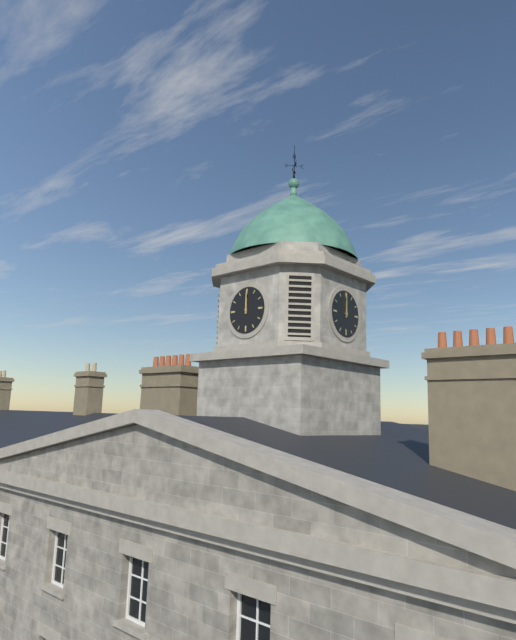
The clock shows 12:00
